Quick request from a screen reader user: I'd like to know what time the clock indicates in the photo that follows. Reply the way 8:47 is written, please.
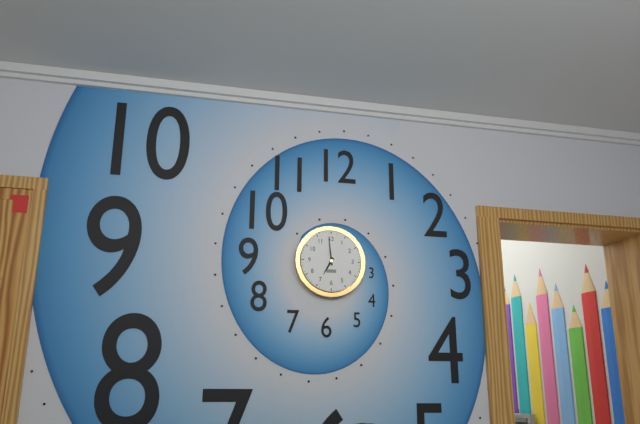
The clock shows 6:59
